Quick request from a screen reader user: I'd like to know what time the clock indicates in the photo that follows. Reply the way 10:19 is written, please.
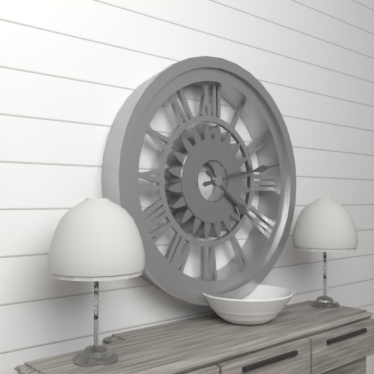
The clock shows 4:13
